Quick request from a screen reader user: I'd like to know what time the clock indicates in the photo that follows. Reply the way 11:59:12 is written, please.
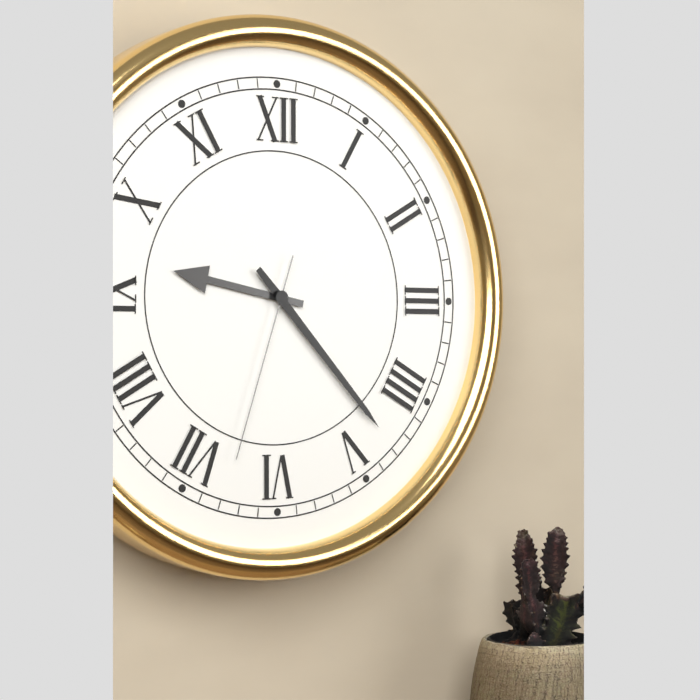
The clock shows 9:23:33
